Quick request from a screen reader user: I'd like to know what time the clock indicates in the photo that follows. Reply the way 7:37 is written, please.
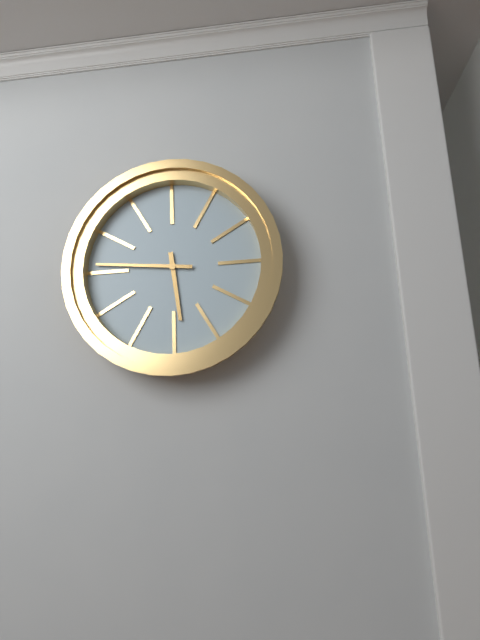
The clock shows 5:46
